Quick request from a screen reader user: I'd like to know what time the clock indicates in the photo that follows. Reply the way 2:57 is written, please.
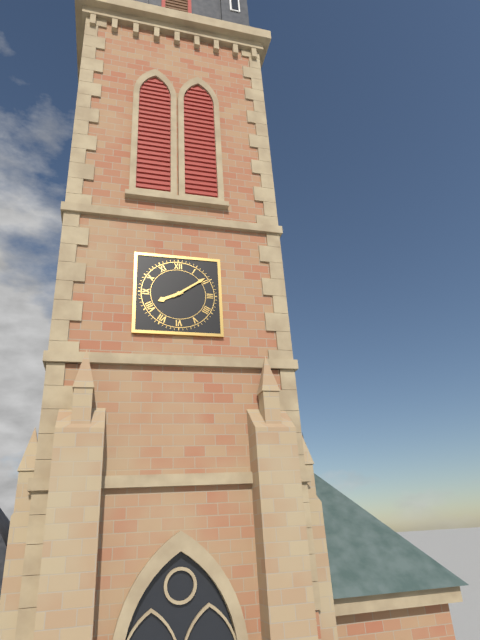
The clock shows 8:09
